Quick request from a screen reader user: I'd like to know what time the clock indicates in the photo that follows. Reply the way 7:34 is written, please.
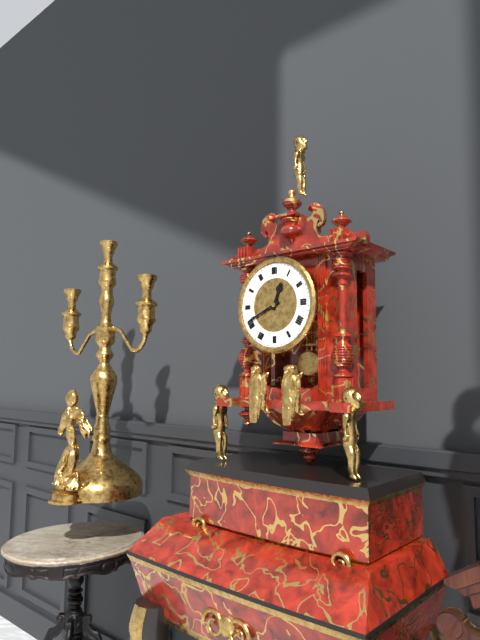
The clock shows 12:41
